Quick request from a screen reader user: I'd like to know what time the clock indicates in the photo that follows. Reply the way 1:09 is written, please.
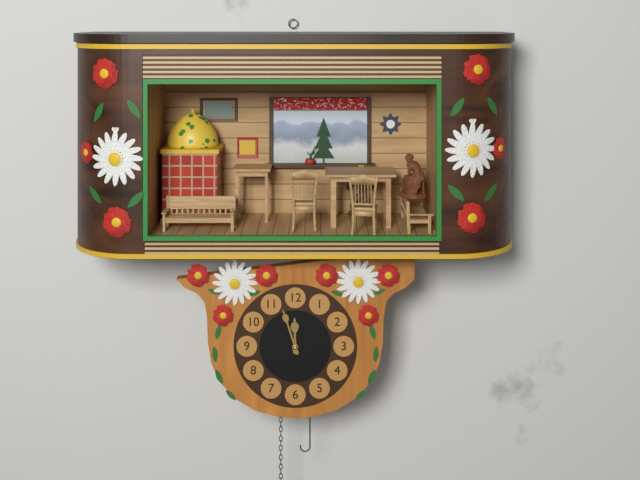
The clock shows 11:57
